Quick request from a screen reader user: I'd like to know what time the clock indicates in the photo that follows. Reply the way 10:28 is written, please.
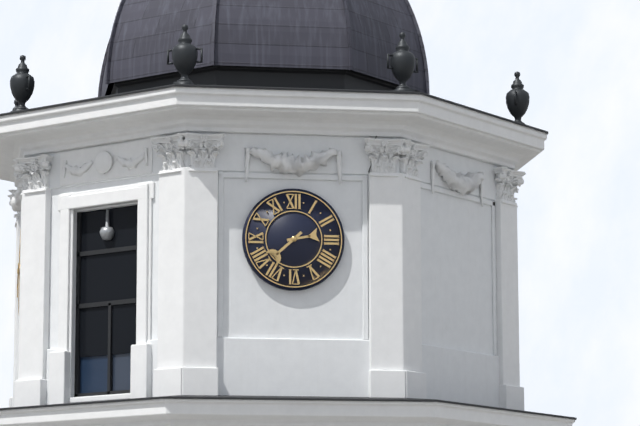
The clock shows 2:38
